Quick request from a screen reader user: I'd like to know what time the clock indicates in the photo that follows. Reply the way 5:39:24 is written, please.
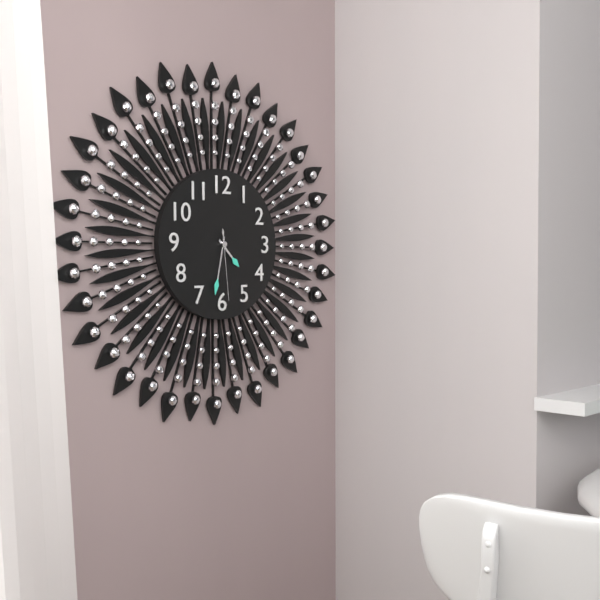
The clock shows 4:32:29
